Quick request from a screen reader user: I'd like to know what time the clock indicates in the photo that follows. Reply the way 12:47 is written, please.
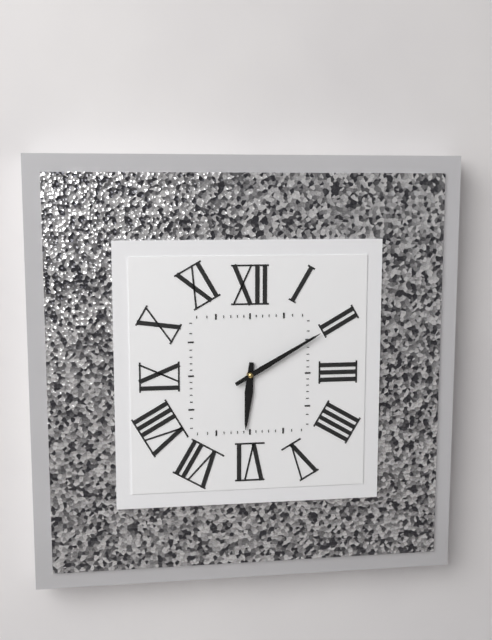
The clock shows 6:10
